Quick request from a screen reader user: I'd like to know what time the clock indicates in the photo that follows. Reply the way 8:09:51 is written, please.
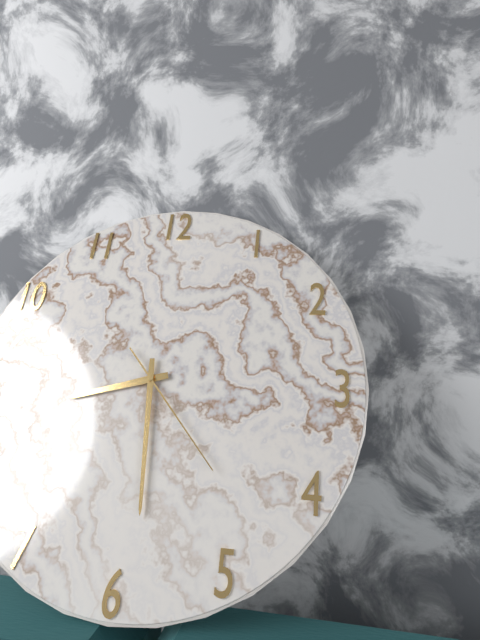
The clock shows 8:29:23
